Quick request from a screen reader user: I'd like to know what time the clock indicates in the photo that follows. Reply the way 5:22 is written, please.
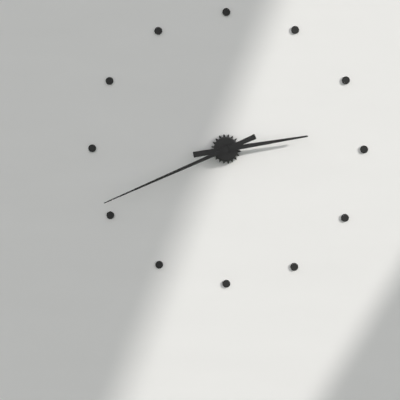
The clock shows 2:41
